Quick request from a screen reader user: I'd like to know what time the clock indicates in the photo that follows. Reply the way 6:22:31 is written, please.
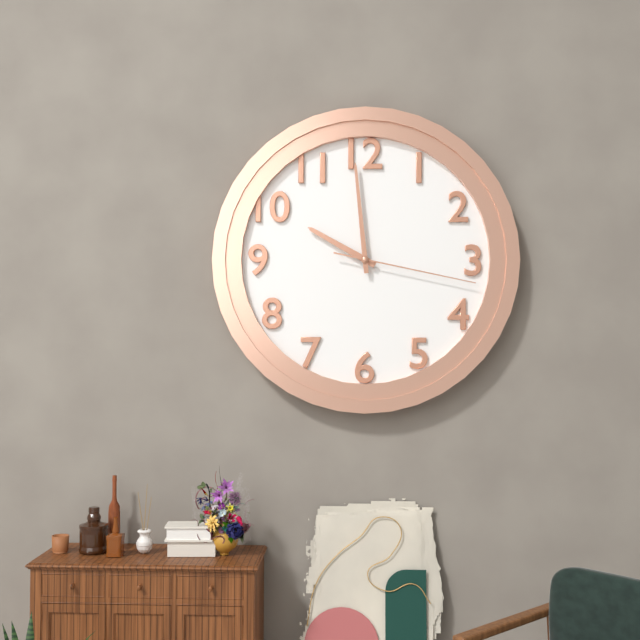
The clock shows 9:59:17
